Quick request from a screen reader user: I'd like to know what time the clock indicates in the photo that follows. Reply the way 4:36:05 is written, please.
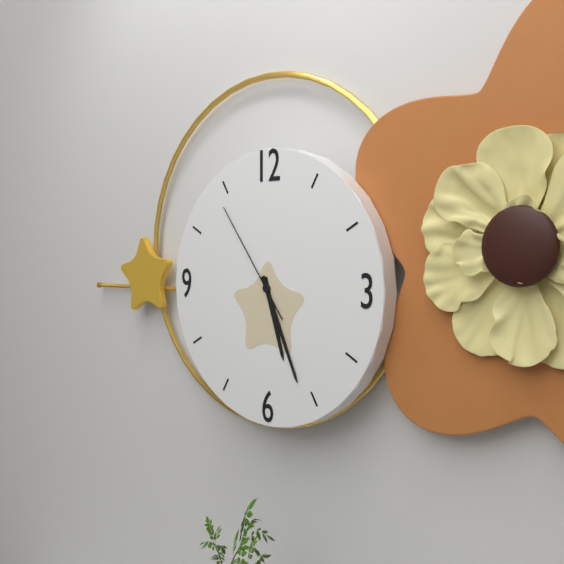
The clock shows 5:26:54
